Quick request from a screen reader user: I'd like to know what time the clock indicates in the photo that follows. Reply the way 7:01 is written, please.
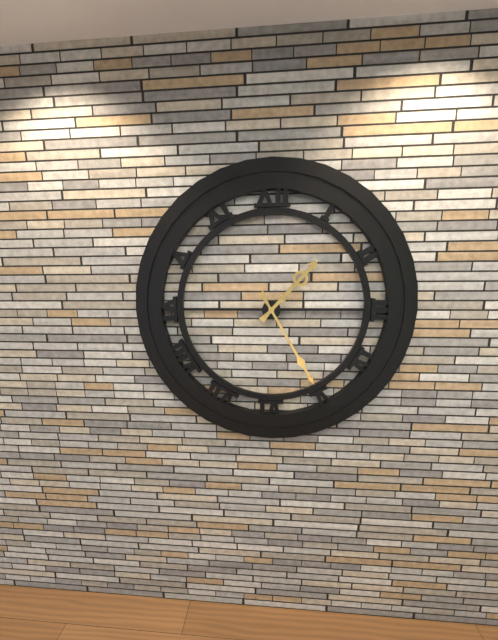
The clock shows 1:25
